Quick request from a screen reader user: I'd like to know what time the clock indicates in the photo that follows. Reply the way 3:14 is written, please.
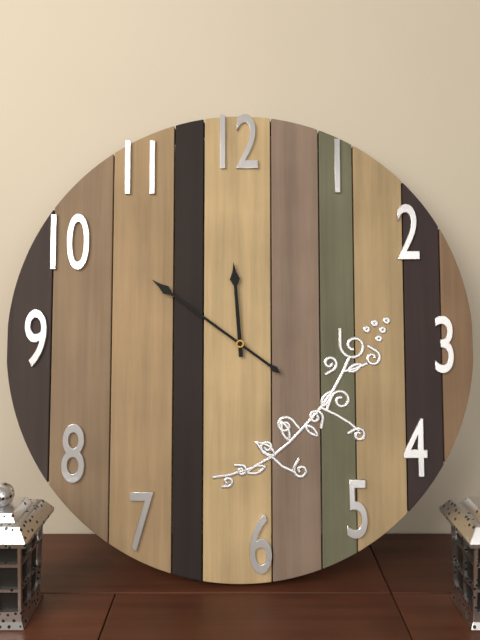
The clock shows 11:51
